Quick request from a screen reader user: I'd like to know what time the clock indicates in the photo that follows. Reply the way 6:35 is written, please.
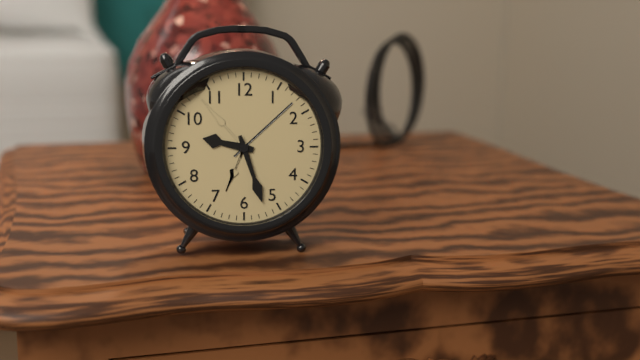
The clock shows 9:27
